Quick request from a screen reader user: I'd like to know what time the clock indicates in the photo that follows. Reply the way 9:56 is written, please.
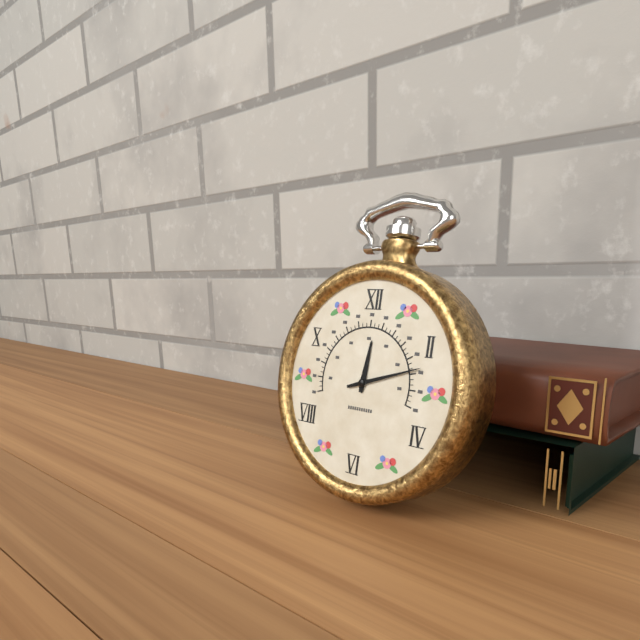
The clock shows 12:12
